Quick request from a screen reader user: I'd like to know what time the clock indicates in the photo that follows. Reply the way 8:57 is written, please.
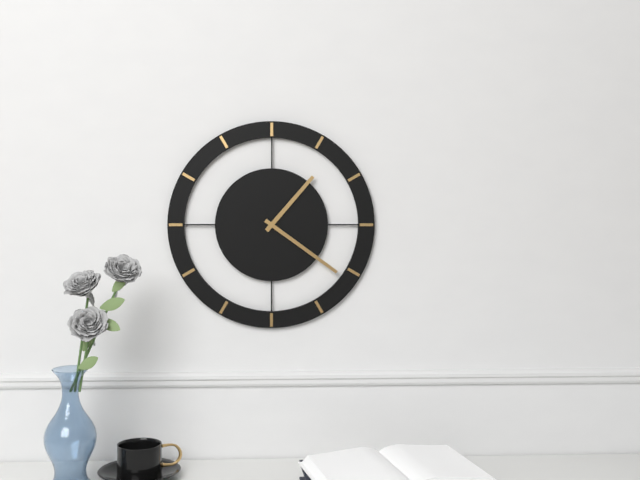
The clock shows 1:21
